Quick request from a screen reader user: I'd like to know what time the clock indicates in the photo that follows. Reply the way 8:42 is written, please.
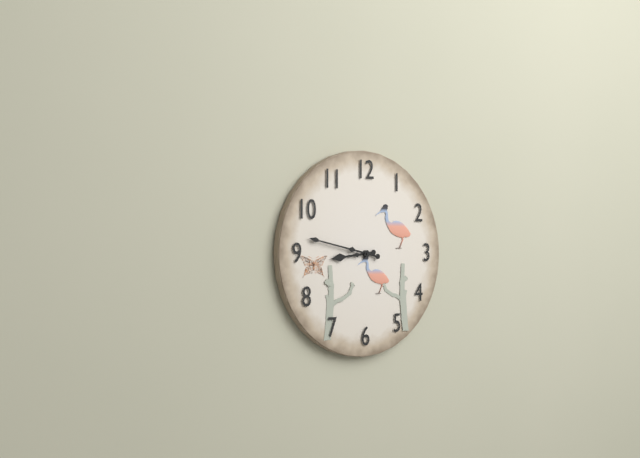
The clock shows 8:47
